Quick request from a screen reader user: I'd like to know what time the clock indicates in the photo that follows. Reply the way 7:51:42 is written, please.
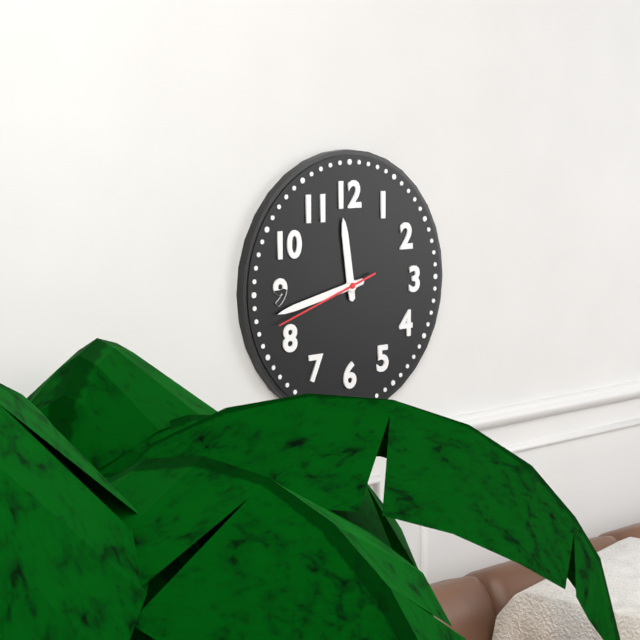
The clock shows 11:43:42
